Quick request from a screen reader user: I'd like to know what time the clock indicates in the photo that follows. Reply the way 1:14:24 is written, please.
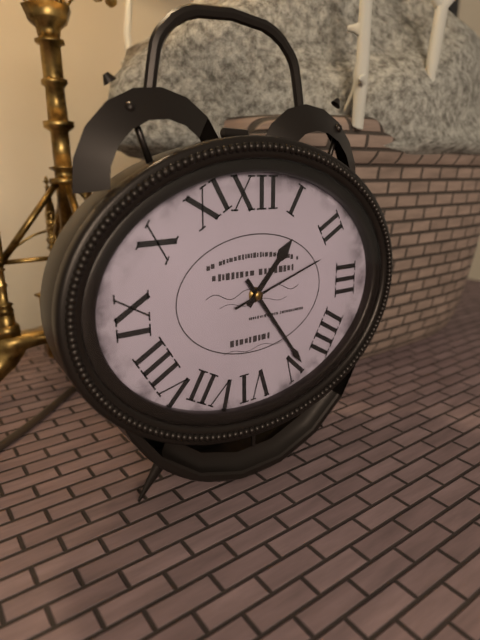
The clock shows 1:24:12
